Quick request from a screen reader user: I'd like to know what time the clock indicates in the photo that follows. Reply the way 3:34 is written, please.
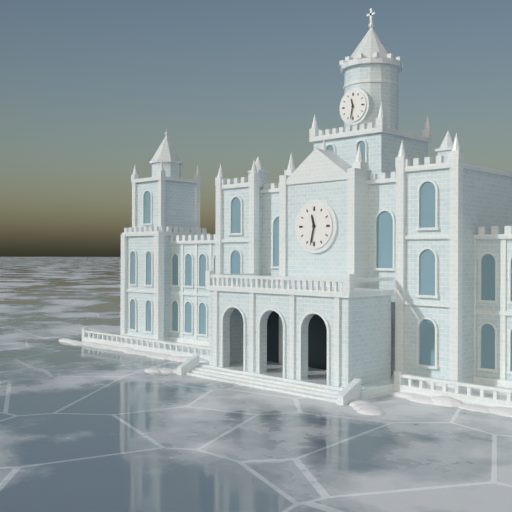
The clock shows 11:32
